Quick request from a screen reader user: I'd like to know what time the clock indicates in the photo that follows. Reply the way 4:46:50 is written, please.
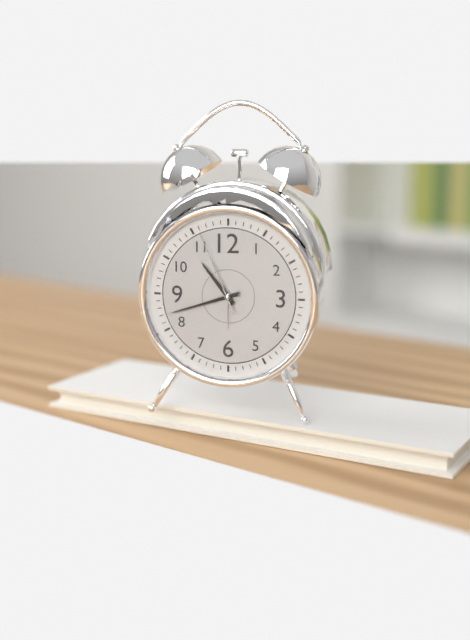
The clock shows 10:42:56
